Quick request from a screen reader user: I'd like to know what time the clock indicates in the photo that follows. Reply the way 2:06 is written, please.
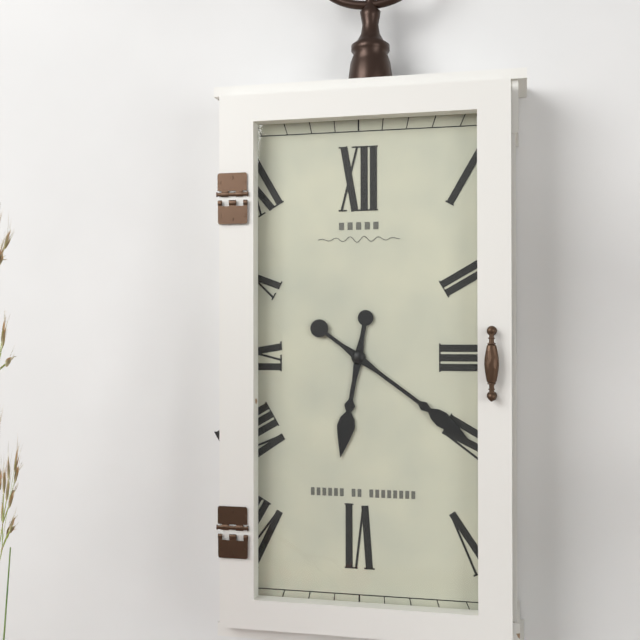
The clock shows 6:21
